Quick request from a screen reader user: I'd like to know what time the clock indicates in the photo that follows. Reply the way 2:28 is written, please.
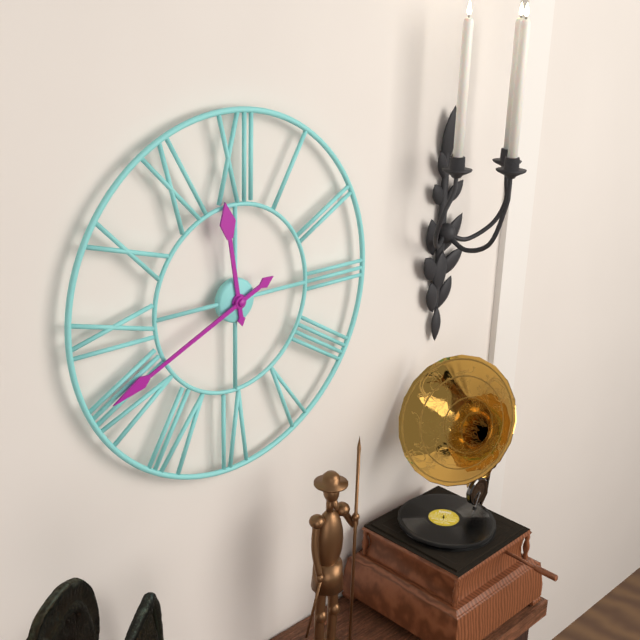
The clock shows 11:41
